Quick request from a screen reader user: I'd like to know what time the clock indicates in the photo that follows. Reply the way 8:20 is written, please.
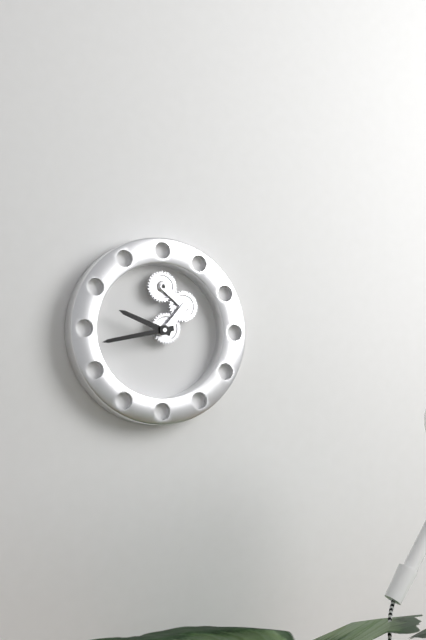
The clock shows 9:43
